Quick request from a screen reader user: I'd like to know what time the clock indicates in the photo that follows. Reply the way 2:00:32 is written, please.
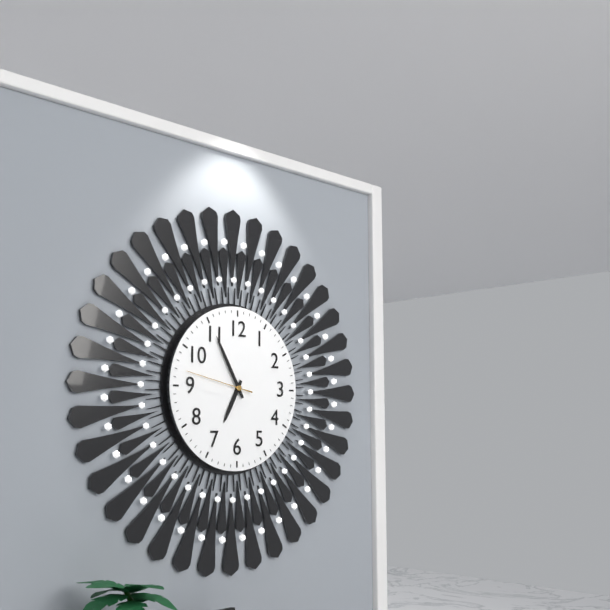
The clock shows 6:55:47
